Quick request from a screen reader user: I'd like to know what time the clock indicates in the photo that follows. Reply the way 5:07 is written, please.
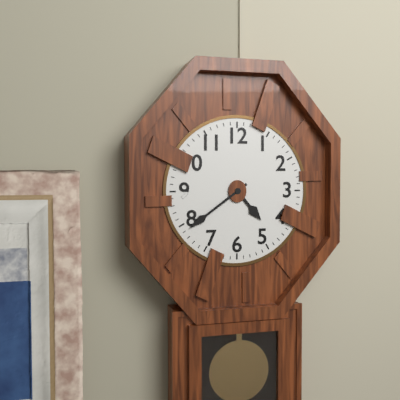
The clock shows 4:39
